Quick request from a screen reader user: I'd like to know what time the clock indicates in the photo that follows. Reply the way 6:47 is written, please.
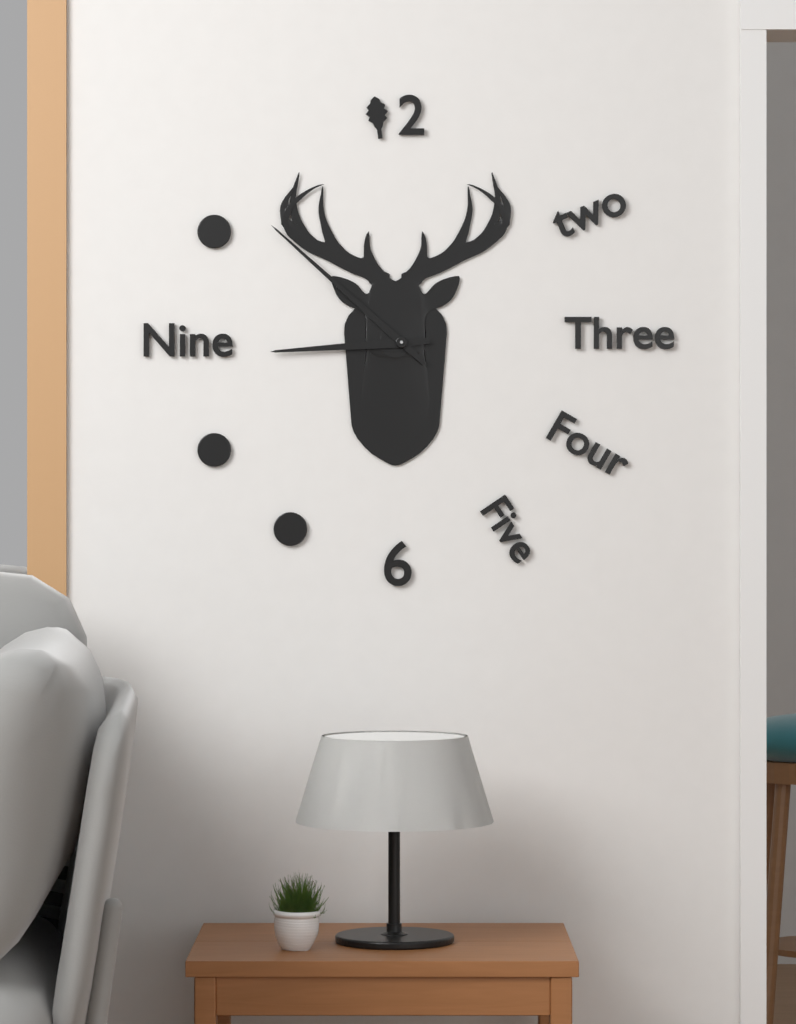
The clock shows 8:52
